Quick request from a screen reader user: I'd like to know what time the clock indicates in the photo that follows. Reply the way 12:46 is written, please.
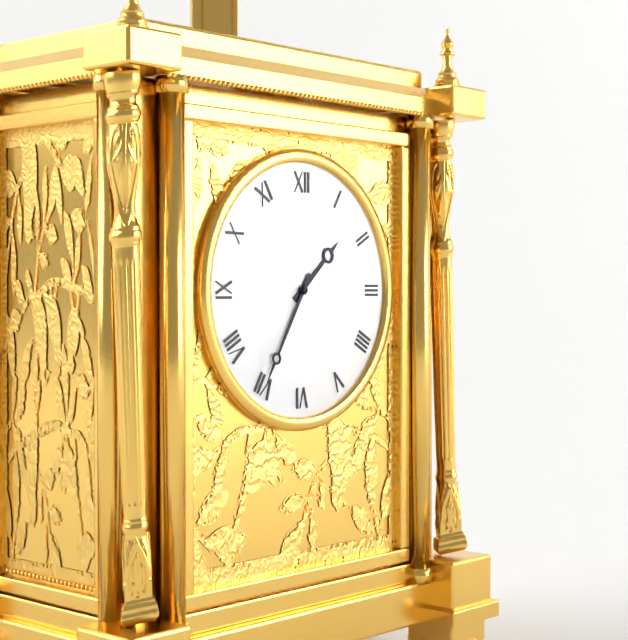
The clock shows 1:35
